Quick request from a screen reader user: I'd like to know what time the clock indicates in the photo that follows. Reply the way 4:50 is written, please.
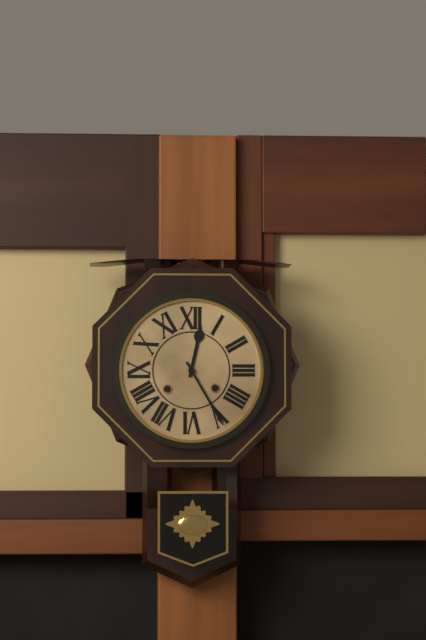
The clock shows 12:25
